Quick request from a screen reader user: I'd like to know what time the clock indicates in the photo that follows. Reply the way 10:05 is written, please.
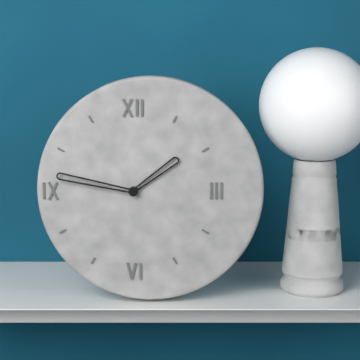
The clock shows 1:47
